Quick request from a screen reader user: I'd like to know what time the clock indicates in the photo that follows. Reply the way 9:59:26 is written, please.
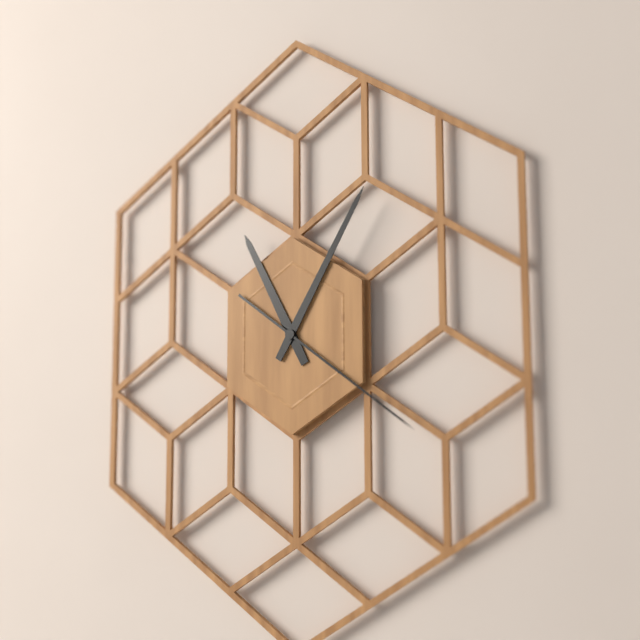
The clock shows 11:05:21
